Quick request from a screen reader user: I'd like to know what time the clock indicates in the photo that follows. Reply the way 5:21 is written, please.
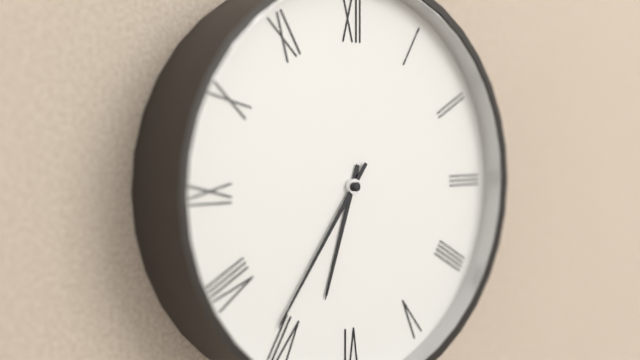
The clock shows 6:36
